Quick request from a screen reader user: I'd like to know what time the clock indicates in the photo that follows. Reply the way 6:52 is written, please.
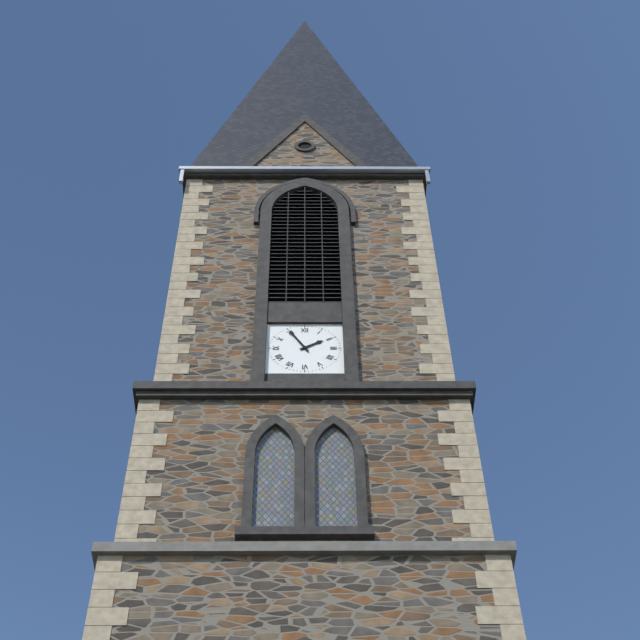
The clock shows 1:55
